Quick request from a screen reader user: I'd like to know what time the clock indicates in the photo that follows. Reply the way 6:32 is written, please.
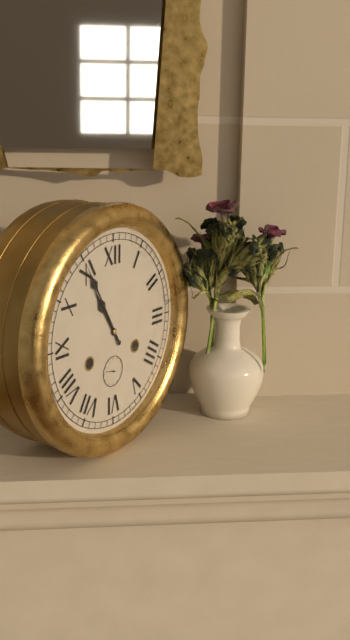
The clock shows 10:55
